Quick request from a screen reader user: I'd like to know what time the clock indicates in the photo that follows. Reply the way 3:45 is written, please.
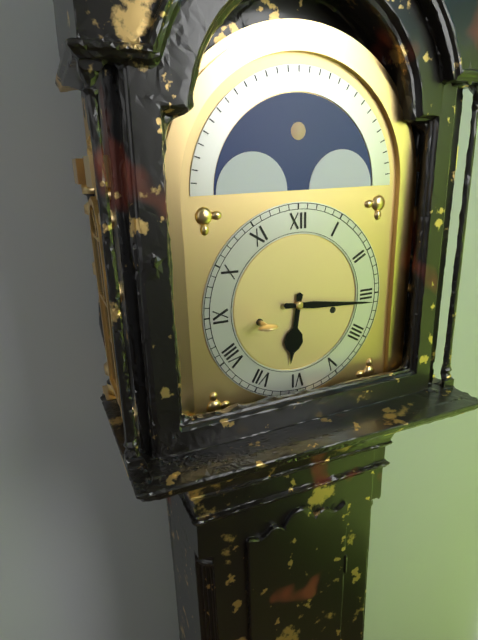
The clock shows 6:16
